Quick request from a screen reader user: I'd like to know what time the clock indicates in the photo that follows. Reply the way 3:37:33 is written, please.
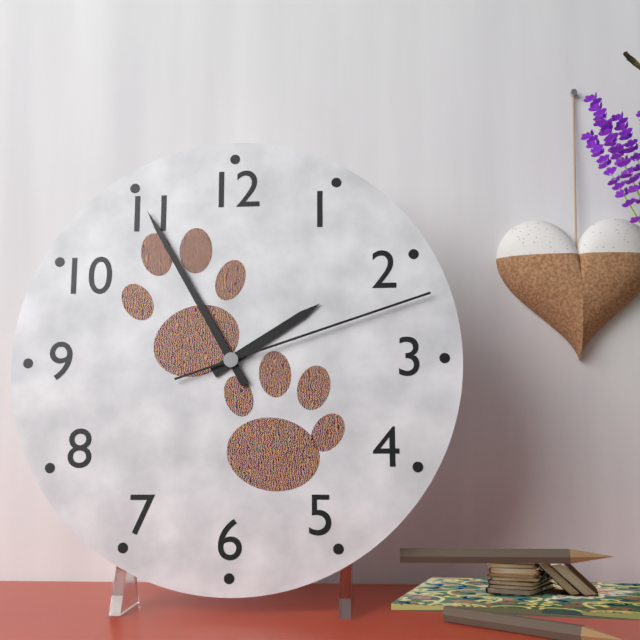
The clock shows 1:55:12
